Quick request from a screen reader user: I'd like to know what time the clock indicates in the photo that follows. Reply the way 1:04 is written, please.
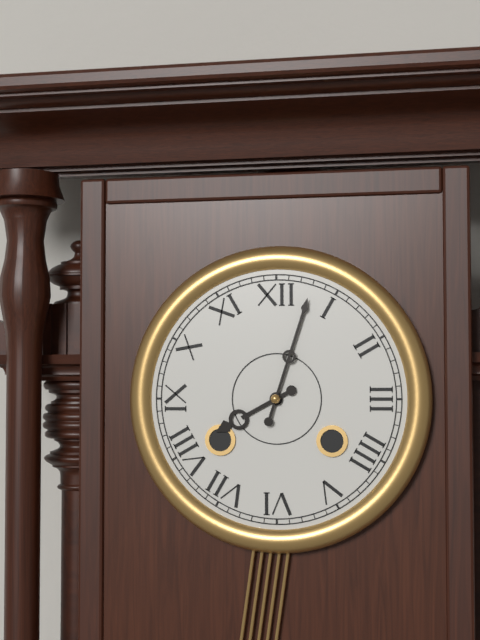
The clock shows 8:03
